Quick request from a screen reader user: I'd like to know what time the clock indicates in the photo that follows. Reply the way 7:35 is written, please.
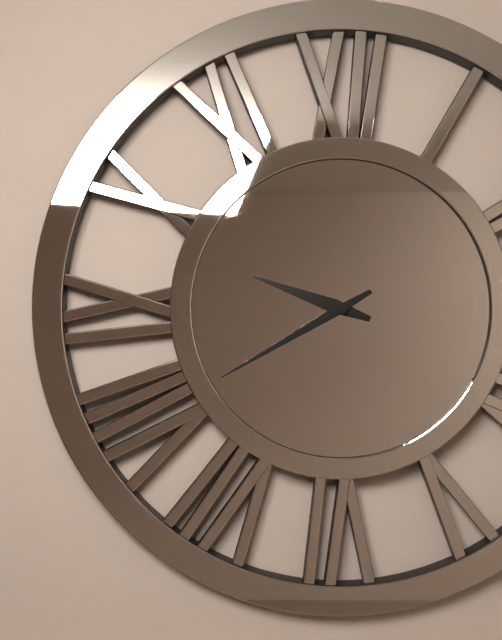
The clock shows 9:40
